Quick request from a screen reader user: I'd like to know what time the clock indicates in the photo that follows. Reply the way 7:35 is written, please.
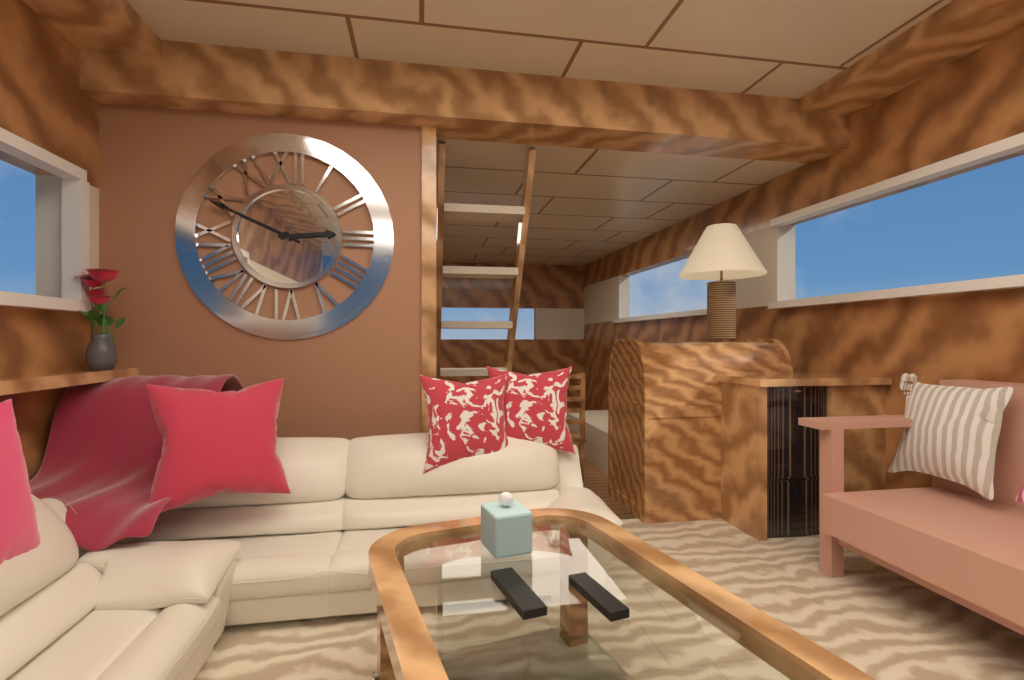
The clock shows 2:49
